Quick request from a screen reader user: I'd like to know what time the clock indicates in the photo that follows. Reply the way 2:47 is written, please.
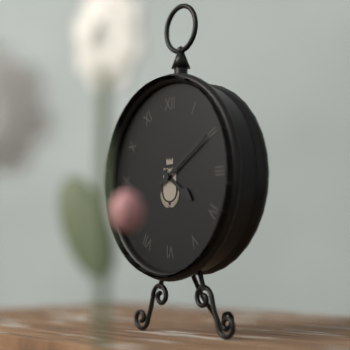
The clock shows 4:10
